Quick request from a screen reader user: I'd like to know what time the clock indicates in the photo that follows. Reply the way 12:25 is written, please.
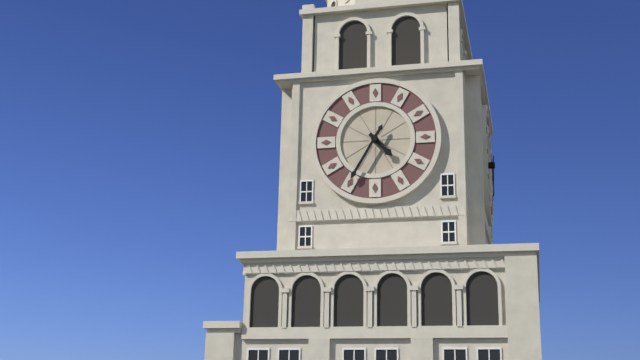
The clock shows 4:35
